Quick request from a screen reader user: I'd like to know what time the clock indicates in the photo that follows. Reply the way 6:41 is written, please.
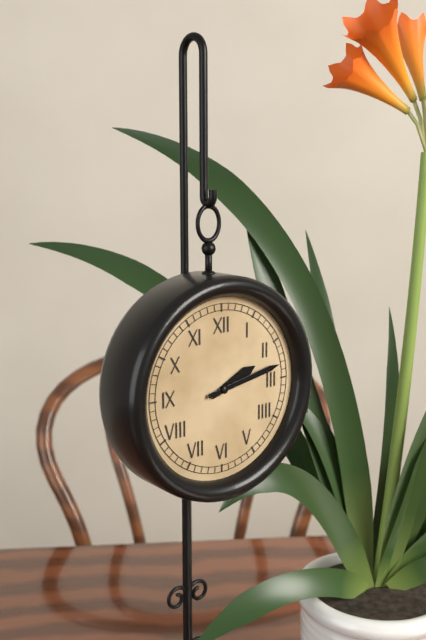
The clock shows 2:13
